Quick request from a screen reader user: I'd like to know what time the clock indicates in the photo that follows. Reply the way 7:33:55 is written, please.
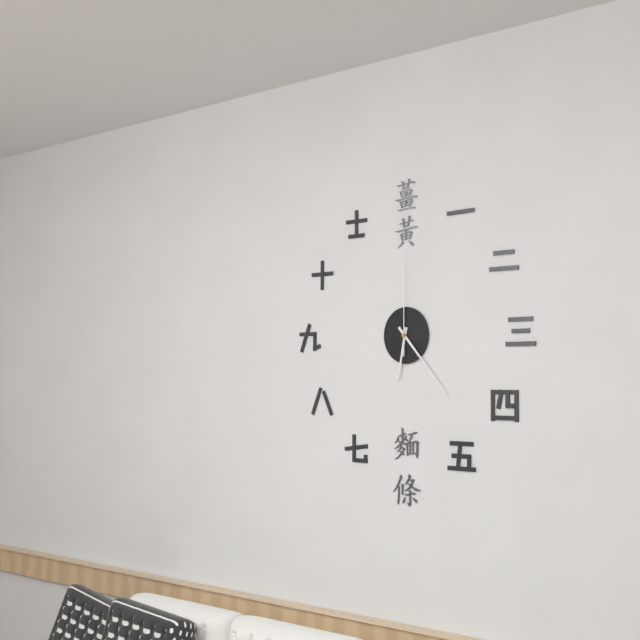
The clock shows 6:23:00
